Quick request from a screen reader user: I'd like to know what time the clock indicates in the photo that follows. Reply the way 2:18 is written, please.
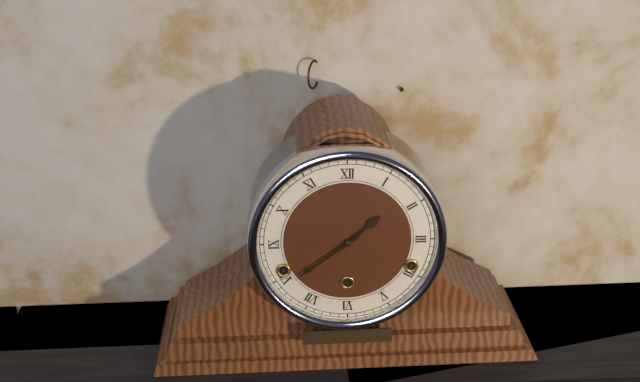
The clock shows 1:39
